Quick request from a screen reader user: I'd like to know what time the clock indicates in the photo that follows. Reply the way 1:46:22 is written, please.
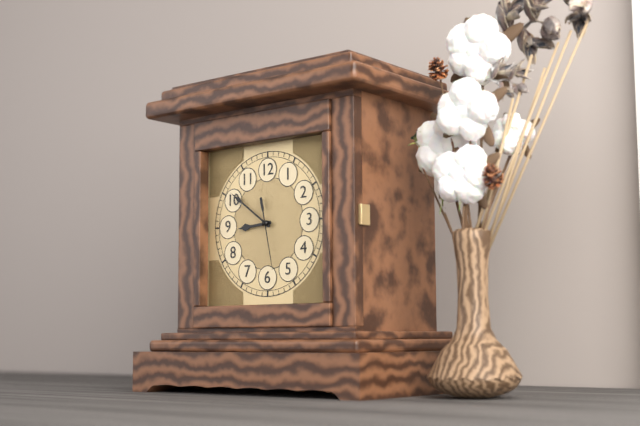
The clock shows 8:51:28
